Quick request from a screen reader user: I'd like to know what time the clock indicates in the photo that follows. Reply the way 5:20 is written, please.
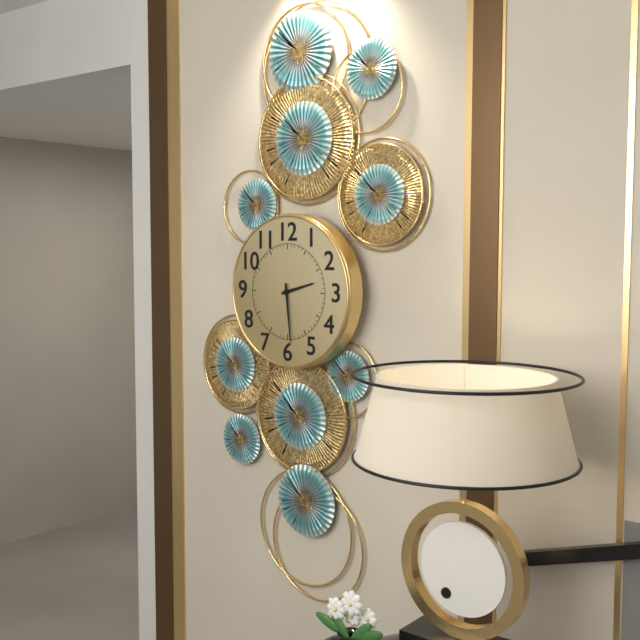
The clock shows 2:29
